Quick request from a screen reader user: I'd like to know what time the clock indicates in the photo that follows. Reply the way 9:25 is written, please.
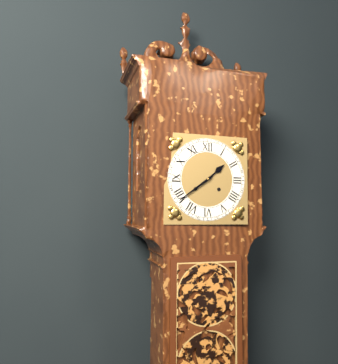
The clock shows 1:39
